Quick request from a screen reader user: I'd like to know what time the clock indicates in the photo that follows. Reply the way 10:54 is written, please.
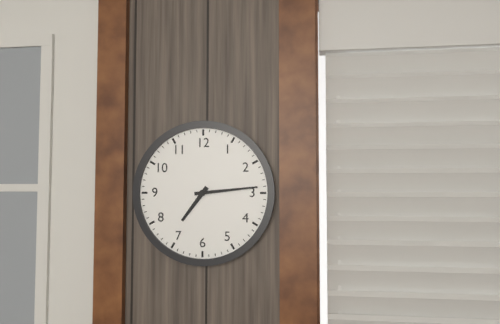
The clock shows 7:14
